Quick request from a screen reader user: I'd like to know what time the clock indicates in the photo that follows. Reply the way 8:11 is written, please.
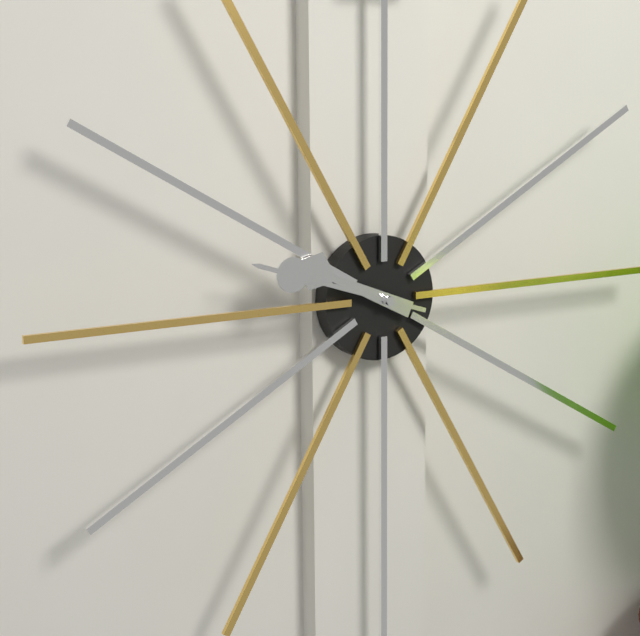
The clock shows 9:48
